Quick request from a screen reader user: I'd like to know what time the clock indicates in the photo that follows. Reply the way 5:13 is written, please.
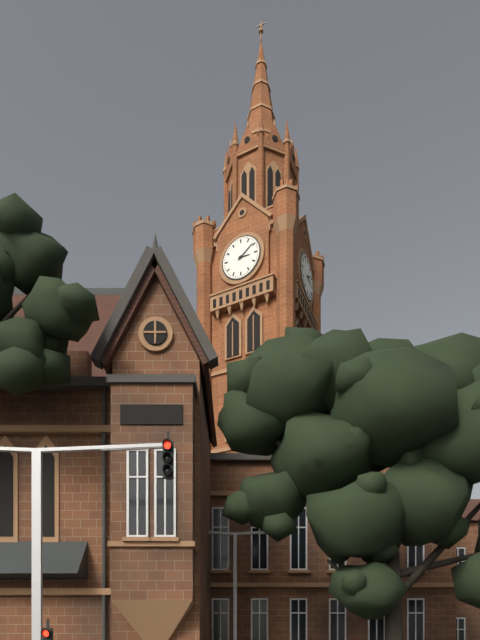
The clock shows 3:09
